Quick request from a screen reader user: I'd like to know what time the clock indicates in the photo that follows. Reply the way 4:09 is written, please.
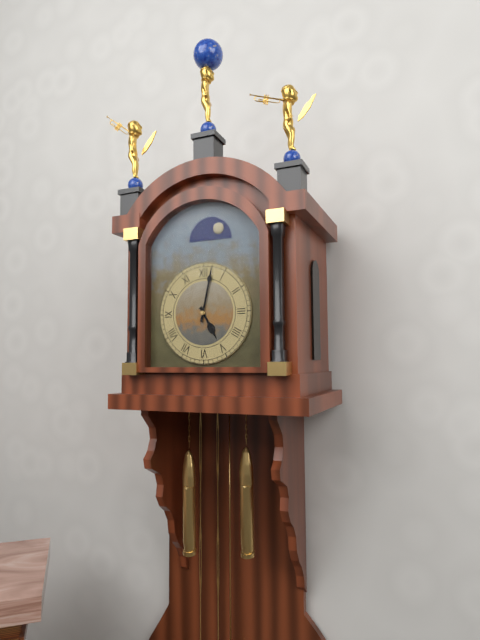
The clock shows 5:02
